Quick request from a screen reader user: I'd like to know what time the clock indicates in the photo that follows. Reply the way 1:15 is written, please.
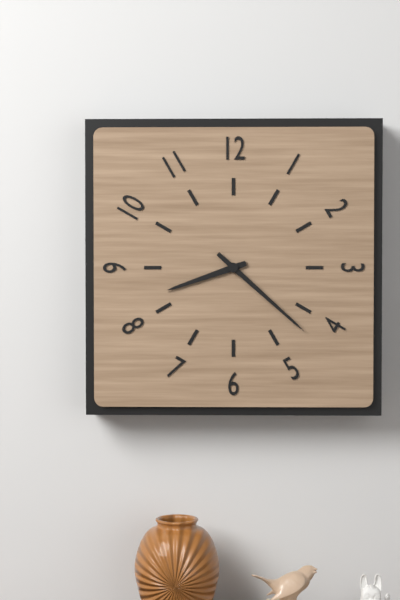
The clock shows 8:22
